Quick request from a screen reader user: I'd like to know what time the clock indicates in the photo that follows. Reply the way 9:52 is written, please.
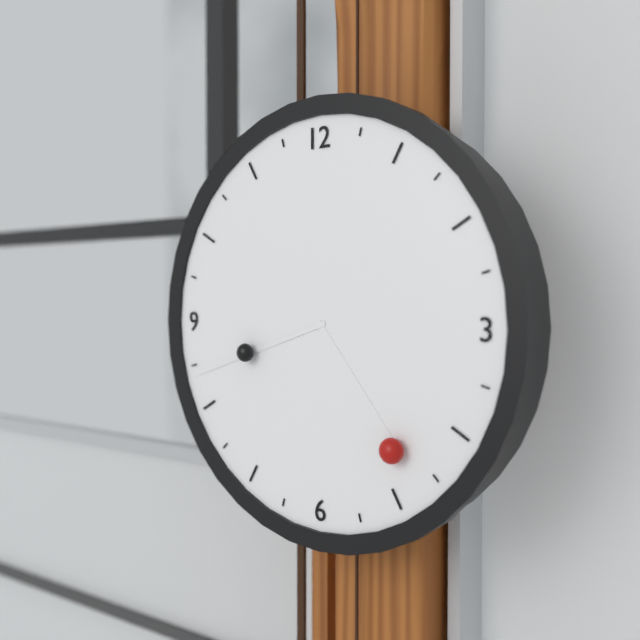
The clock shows 4:42
